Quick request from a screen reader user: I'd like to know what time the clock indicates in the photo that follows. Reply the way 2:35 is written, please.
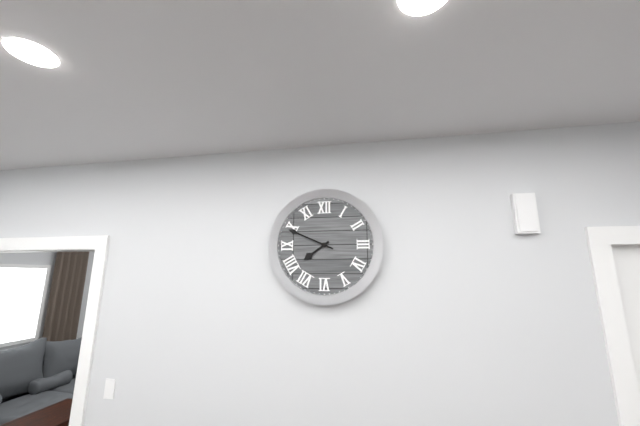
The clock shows 7:49
